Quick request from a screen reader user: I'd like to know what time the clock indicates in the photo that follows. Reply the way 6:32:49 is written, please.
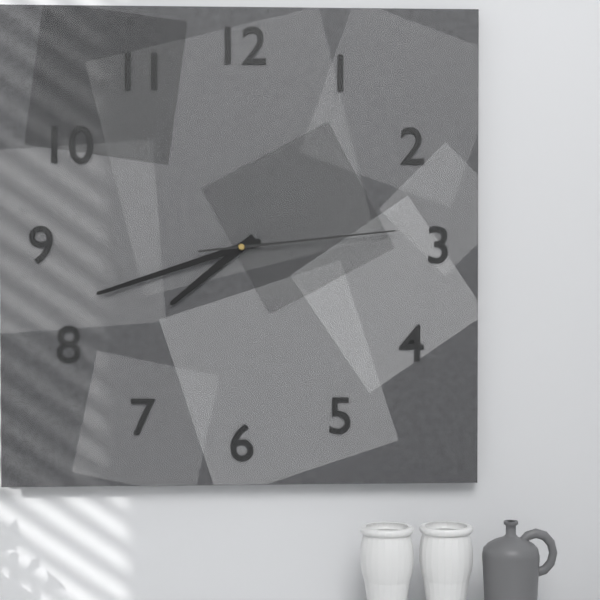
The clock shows 7:42:14
